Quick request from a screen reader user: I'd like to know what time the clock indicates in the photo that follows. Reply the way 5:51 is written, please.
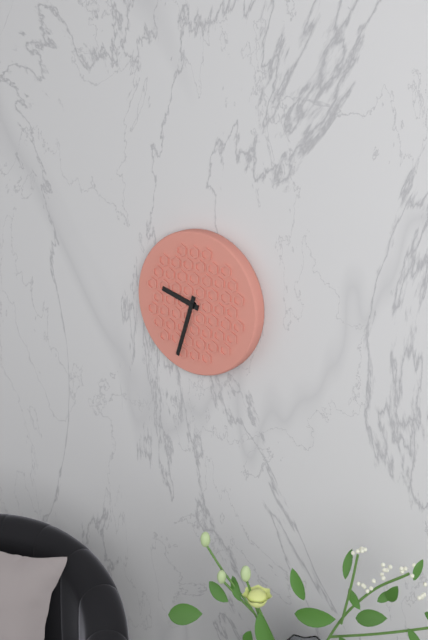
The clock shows 9:33
